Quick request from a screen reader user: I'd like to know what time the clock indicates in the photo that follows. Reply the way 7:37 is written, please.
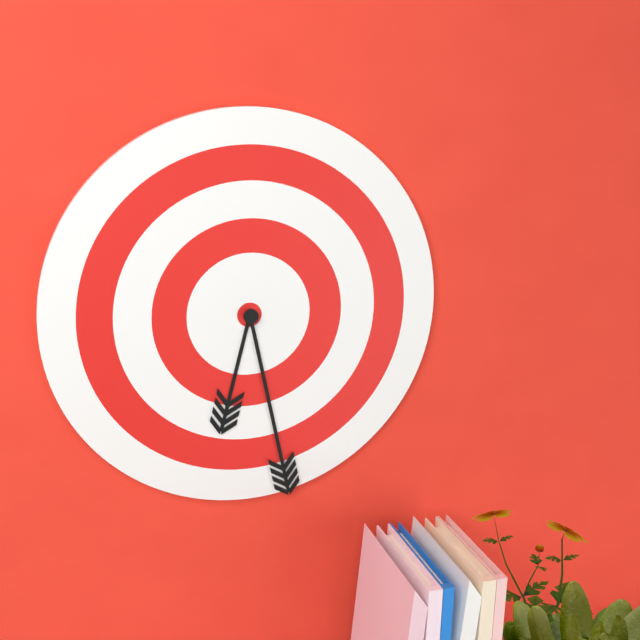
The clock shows 6:28
